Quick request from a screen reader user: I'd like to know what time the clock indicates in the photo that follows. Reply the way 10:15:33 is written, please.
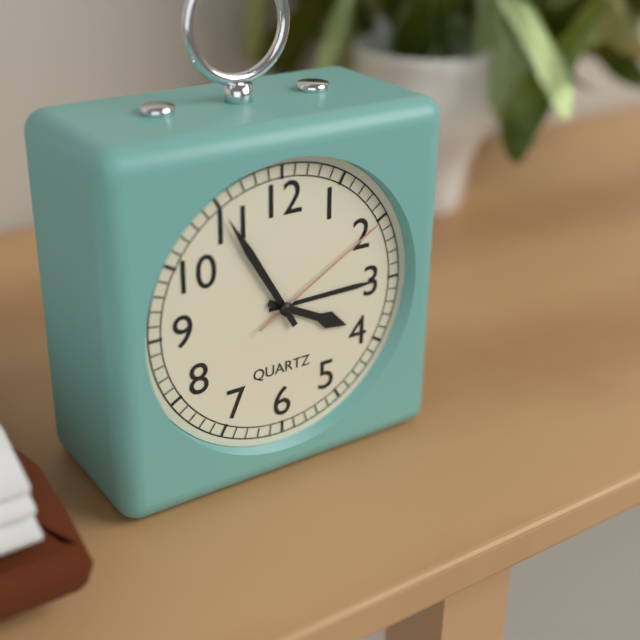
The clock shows 3:55:10
